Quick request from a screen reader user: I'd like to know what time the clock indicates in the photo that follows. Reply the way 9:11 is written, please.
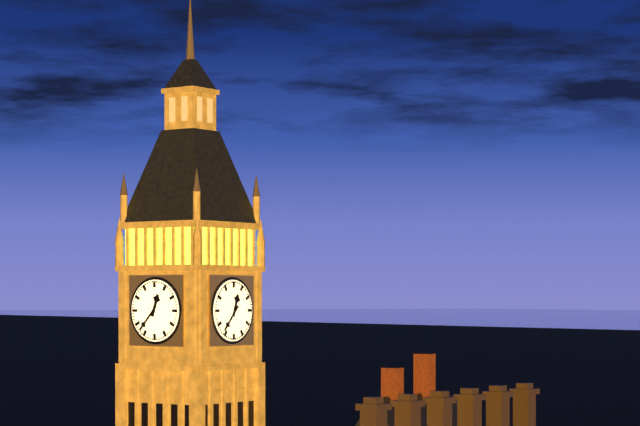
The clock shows 12:37
